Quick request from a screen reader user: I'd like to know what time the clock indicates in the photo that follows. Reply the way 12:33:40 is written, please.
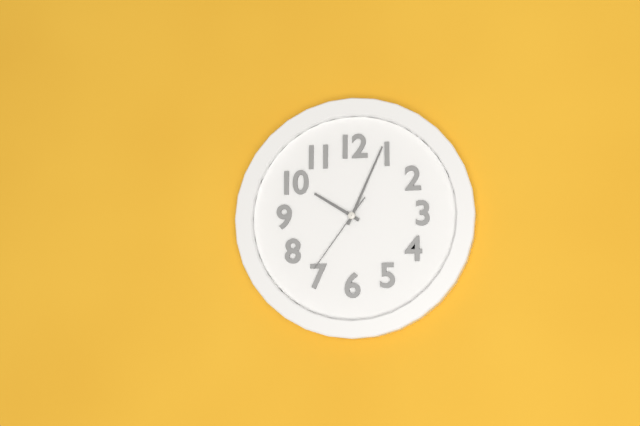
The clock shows 10:04:36
